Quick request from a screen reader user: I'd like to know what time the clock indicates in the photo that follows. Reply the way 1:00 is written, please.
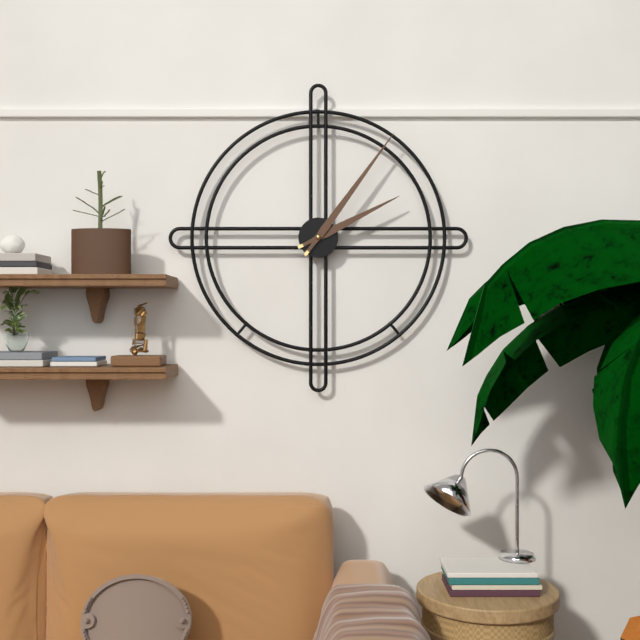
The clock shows 2:06
